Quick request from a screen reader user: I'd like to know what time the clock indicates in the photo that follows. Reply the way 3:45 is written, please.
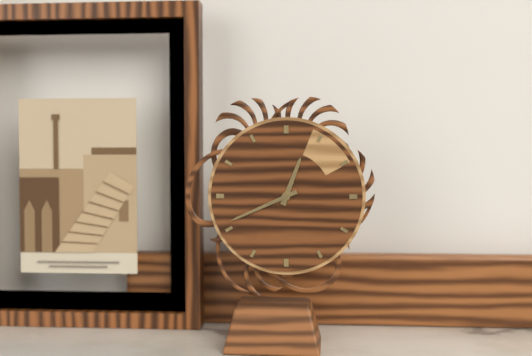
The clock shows 12:41
